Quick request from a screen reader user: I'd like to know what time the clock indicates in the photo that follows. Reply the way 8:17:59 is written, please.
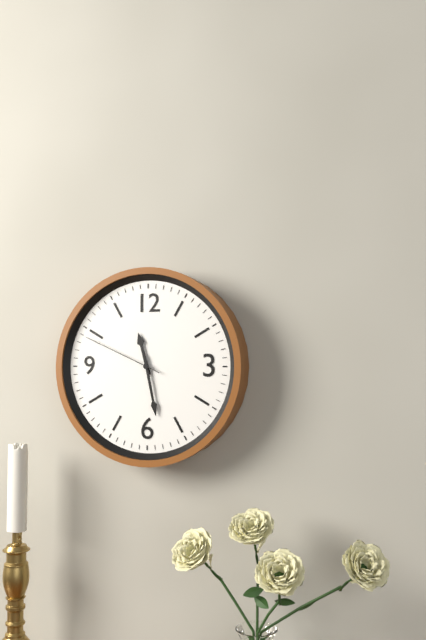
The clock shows 11:28:49
